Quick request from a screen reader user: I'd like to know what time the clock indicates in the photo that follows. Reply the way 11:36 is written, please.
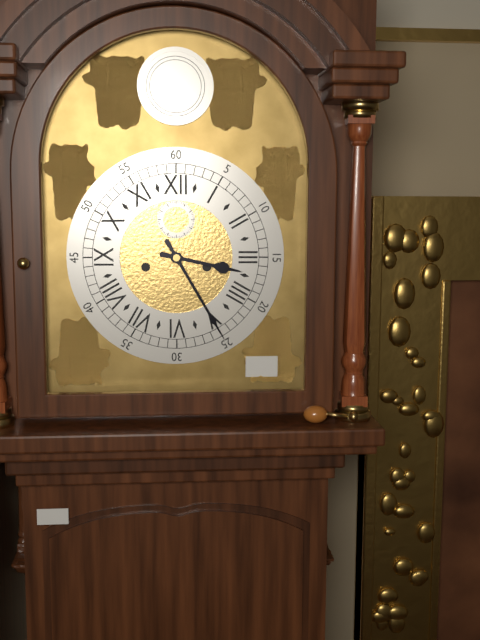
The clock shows 3:25
